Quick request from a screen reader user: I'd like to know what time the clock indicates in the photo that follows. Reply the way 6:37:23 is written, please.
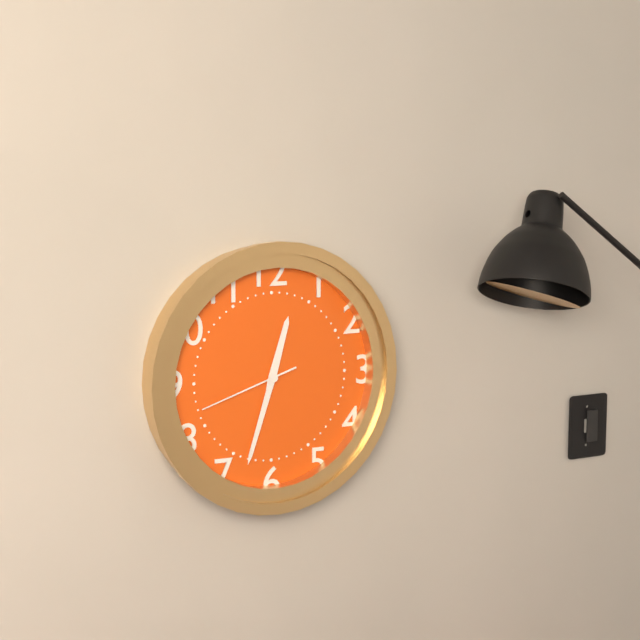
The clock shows 12:33:42
